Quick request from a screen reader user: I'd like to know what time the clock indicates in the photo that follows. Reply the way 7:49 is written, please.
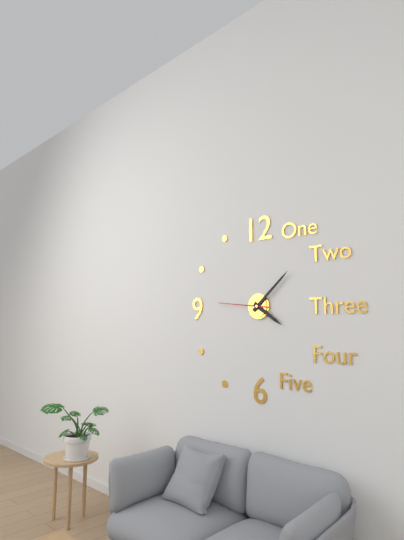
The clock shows 4:08
